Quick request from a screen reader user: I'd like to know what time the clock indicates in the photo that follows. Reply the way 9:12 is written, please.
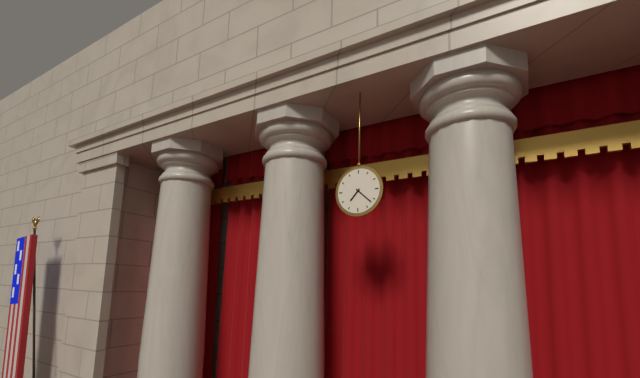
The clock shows 7:22
